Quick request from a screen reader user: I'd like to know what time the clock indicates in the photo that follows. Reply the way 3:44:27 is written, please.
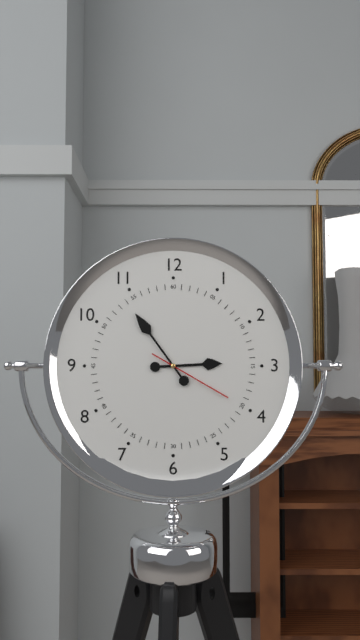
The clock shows 2:54:20
